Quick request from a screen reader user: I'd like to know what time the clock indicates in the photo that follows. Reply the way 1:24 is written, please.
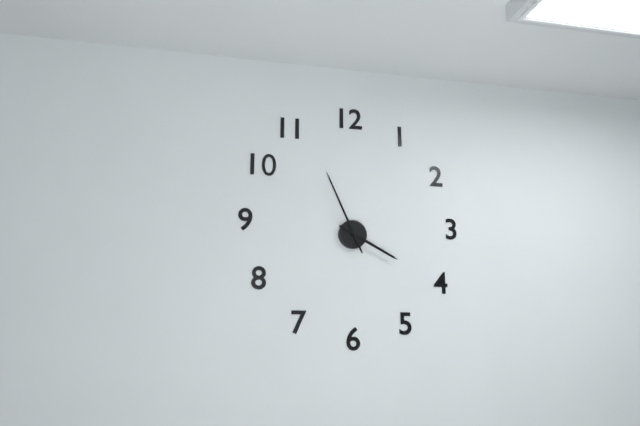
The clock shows 3:56
